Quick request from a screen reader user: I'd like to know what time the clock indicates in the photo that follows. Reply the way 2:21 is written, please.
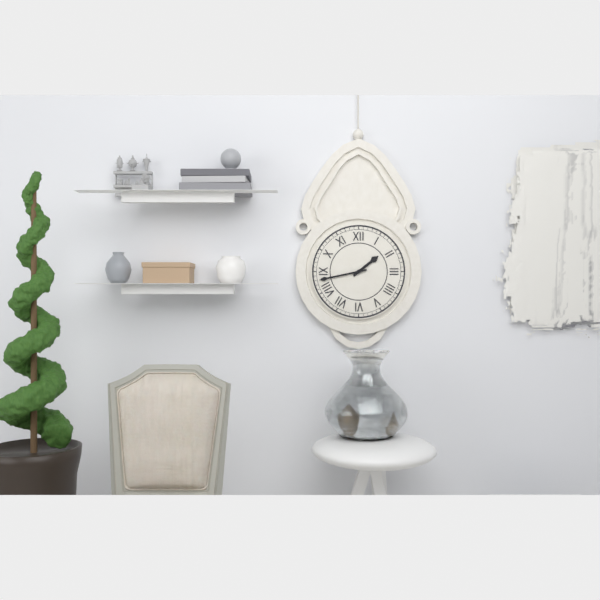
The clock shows 1:43
